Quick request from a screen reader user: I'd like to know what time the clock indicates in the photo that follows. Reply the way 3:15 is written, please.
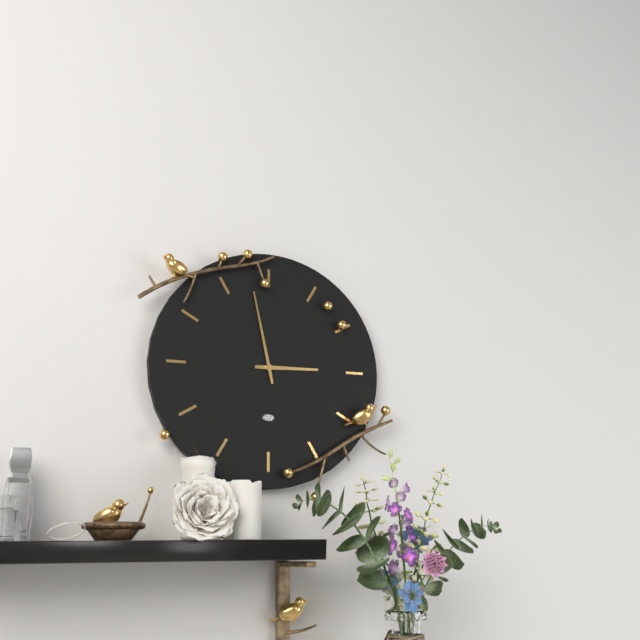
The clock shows 2:58
